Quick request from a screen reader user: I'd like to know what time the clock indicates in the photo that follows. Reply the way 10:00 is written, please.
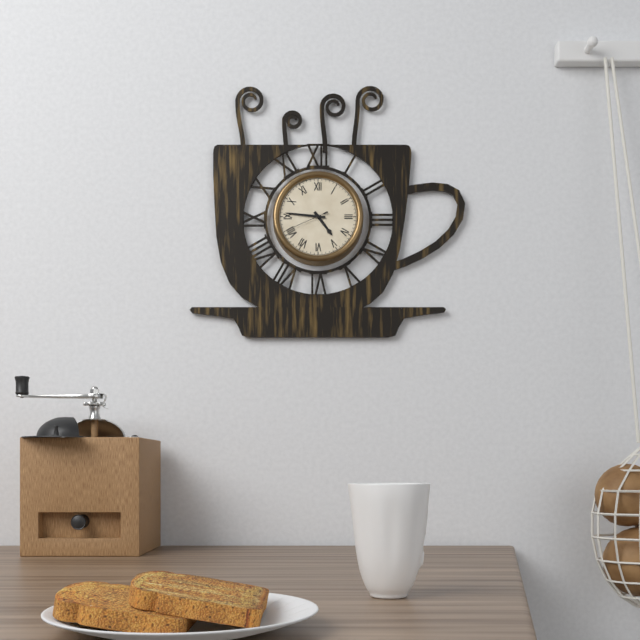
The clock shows 4:46
